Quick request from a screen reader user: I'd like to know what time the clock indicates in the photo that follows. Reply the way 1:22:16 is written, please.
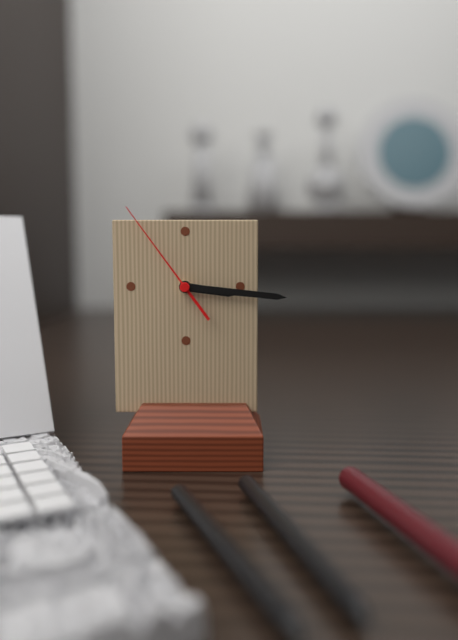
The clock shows 3:16:54
